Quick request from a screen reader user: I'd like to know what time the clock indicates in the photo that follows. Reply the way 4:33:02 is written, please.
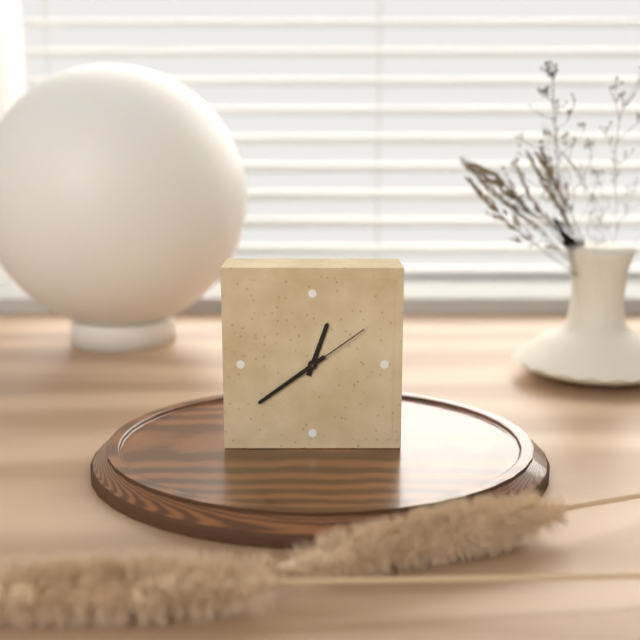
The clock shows 12:39:09
